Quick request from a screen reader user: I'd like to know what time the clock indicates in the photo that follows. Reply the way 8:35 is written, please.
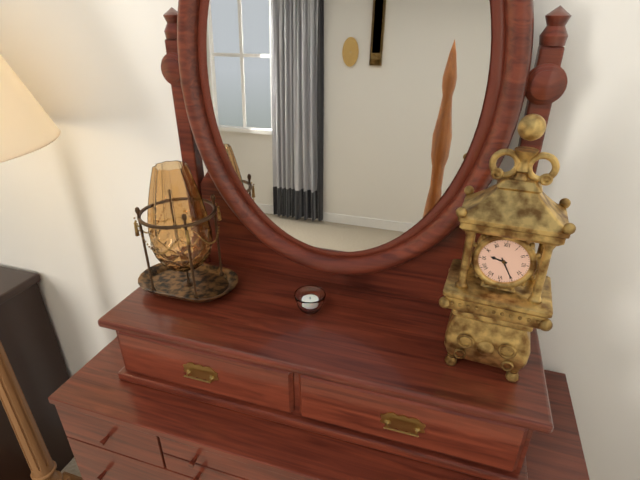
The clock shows 9:25
